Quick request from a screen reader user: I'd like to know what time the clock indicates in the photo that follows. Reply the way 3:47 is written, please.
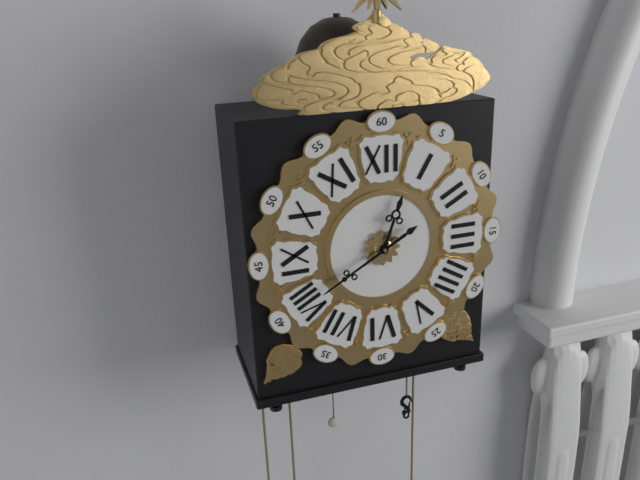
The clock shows 12:40
